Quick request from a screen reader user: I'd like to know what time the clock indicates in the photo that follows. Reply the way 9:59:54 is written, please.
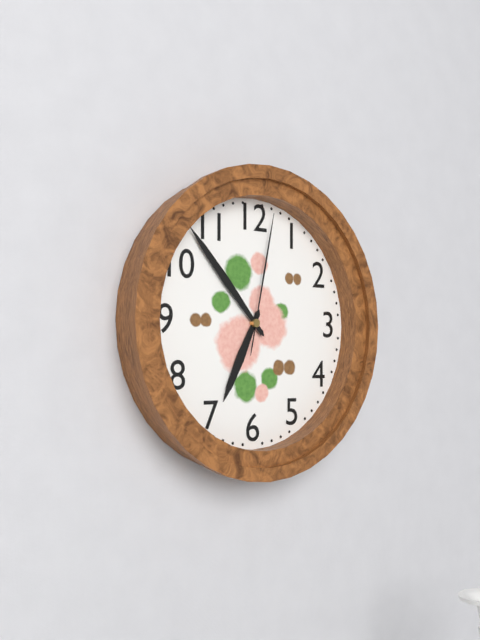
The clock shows 6:53:02
